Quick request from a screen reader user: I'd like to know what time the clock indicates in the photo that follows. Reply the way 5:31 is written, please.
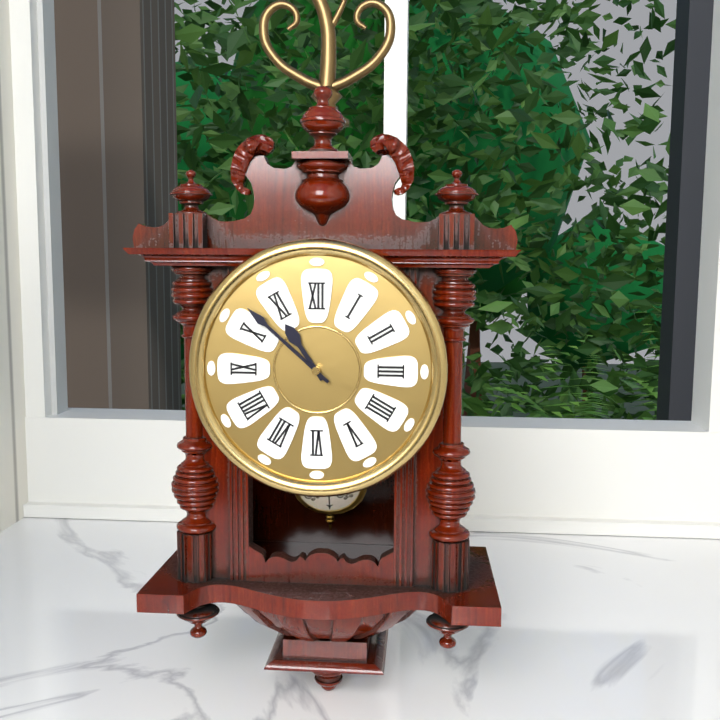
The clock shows 10:52
